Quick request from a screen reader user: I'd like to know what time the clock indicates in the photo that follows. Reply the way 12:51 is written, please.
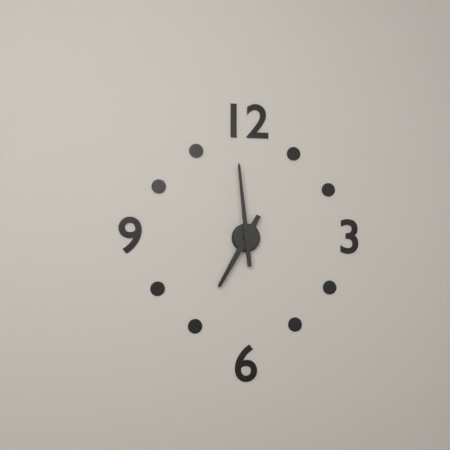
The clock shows 6:59
